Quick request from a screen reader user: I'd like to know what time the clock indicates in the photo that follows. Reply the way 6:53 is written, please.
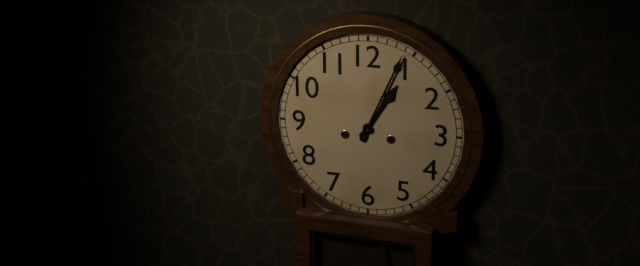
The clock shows 1:04
